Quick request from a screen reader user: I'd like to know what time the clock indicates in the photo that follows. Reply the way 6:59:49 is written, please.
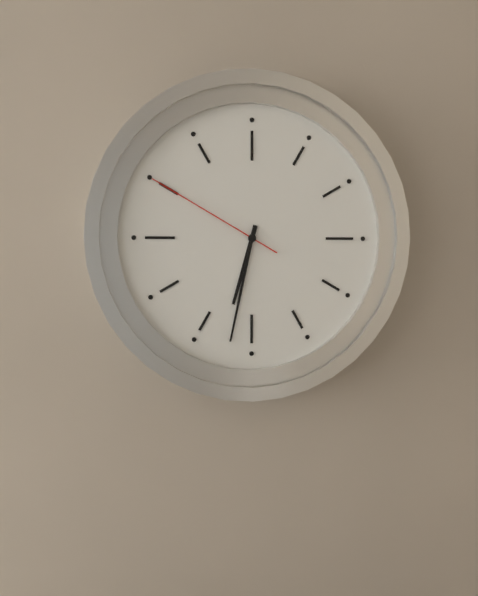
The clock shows 6:32:50
